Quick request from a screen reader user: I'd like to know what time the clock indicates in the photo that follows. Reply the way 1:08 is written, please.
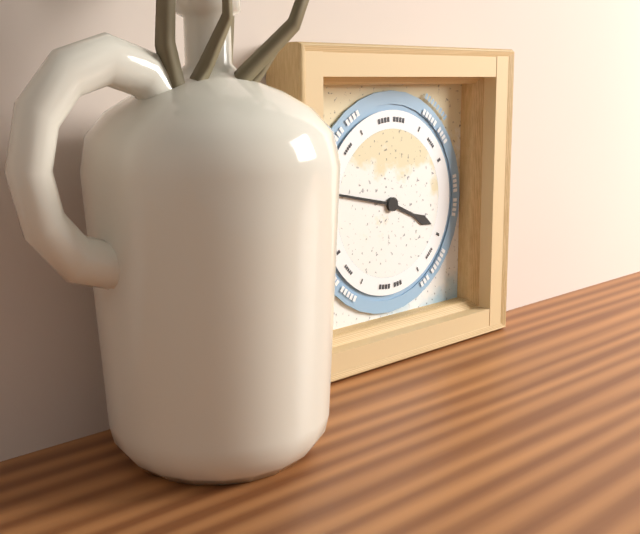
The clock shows 3:47
